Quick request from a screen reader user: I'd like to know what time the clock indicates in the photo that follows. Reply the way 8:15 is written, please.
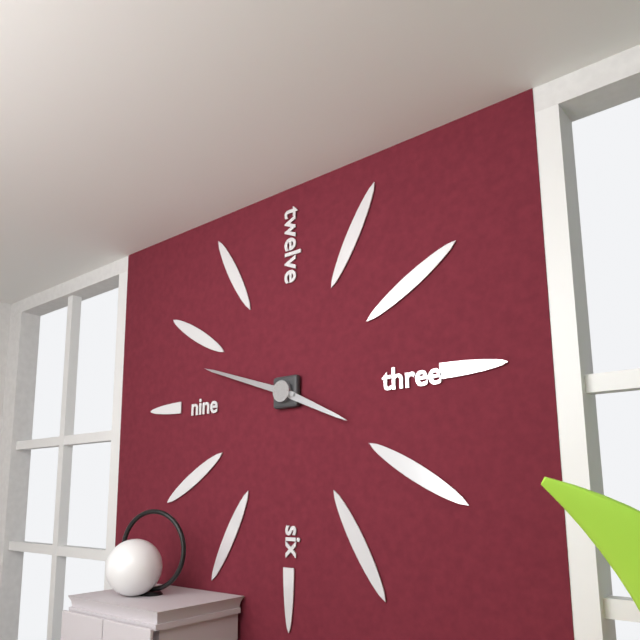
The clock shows 3:48
